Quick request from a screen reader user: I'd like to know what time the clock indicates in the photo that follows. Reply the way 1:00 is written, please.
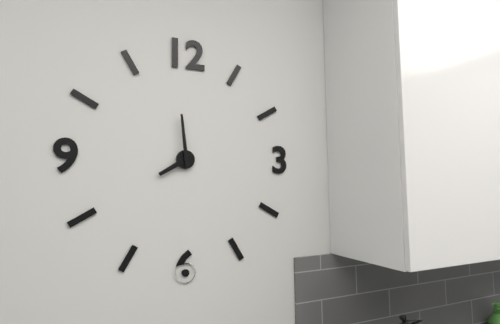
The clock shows 7:59
